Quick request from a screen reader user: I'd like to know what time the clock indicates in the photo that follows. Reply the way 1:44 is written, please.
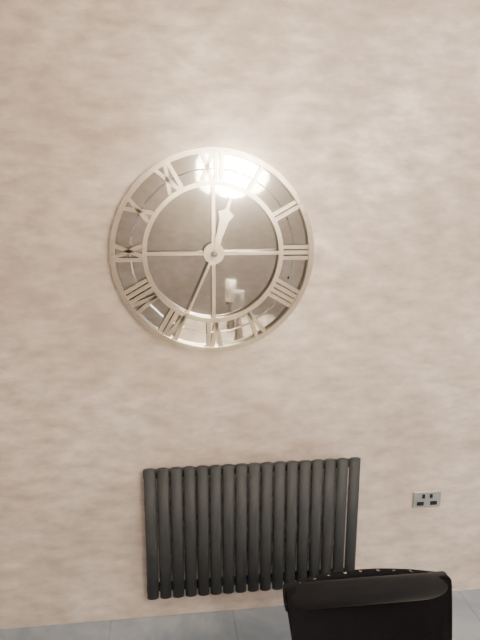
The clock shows 12:34
